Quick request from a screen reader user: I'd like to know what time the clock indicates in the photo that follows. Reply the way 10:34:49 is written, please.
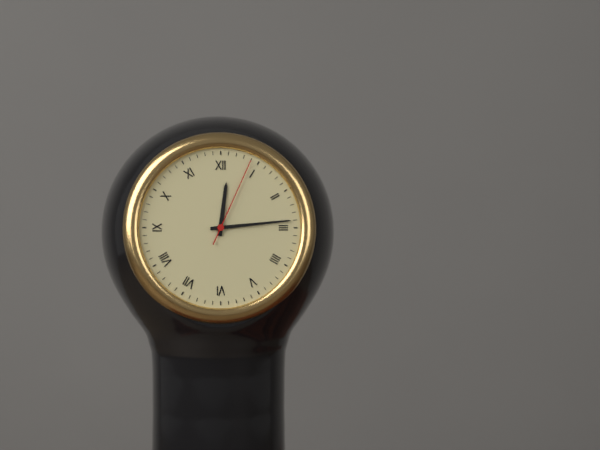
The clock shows 12:14:04
